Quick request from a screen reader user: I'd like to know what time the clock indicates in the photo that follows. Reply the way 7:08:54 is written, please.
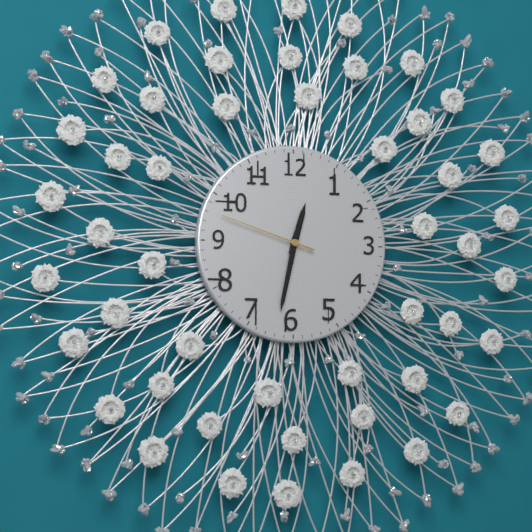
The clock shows 12:32:48
